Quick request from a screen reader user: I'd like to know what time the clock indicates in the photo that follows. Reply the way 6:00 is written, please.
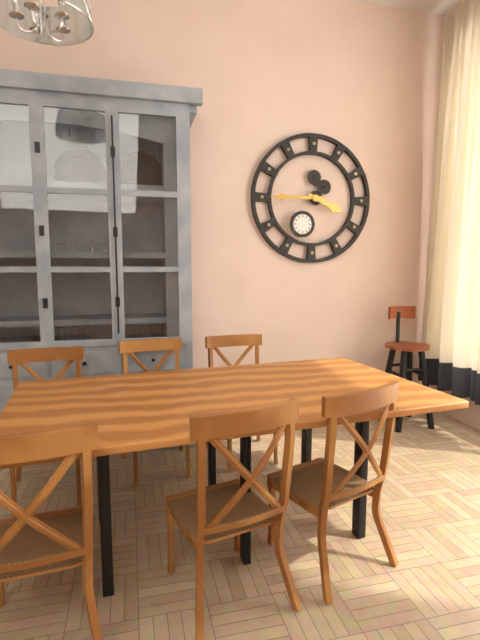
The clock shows 3:45
